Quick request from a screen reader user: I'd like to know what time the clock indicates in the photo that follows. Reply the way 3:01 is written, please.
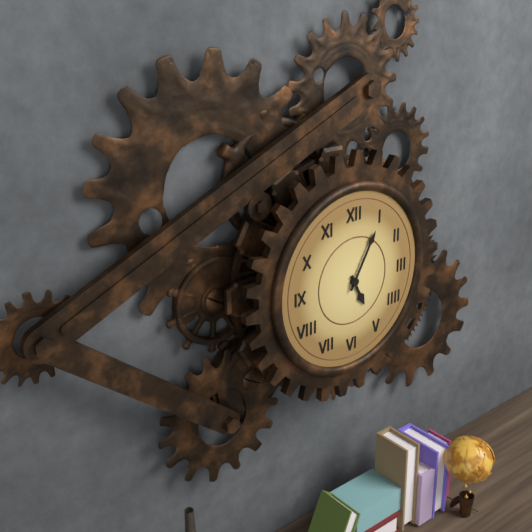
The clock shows 5:05
